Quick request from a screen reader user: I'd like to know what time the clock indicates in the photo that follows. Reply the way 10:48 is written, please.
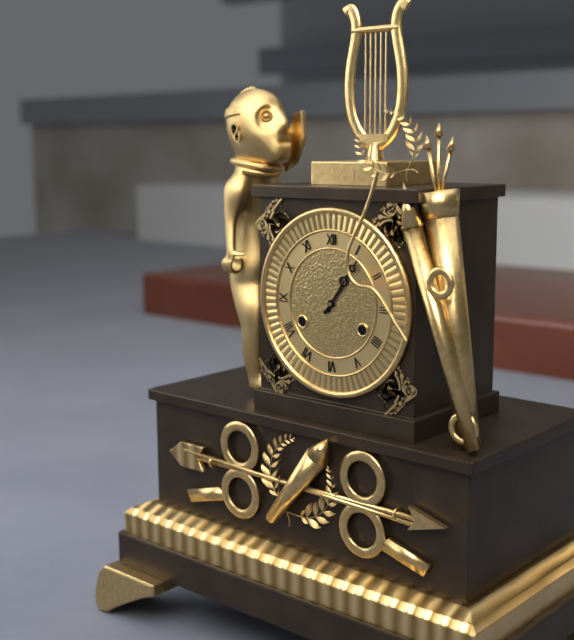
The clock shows 1:06
